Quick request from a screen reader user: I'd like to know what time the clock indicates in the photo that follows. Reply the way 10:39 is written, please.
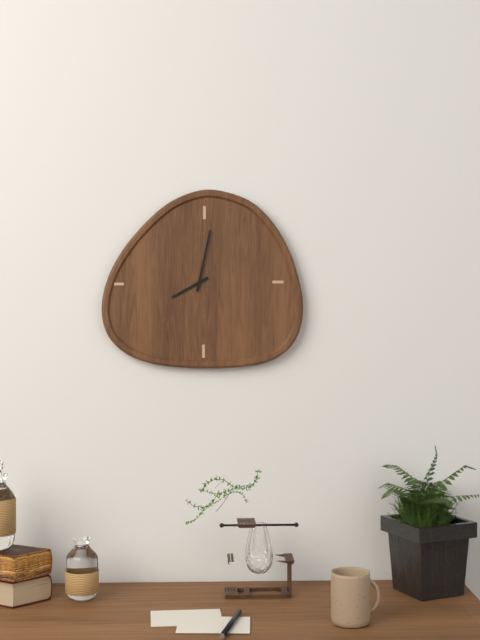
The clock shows 8:02
